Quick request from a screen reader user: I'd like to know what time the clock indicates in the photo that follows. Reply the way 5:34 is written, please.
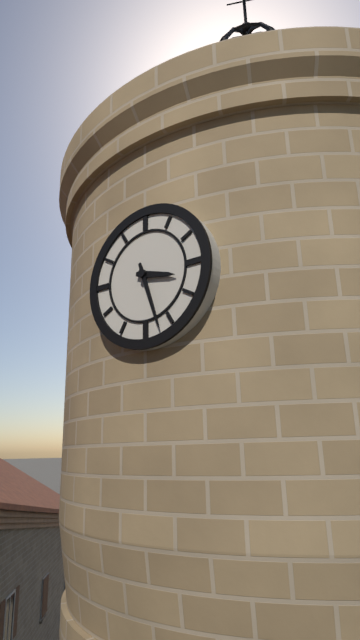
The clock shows 3:27
